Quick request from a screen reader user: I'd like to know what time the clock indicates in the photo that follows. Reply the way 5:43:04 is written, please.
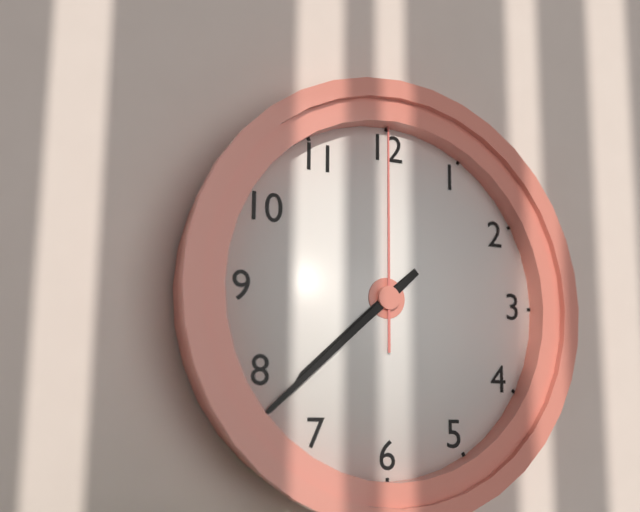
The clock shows 7:38:00
